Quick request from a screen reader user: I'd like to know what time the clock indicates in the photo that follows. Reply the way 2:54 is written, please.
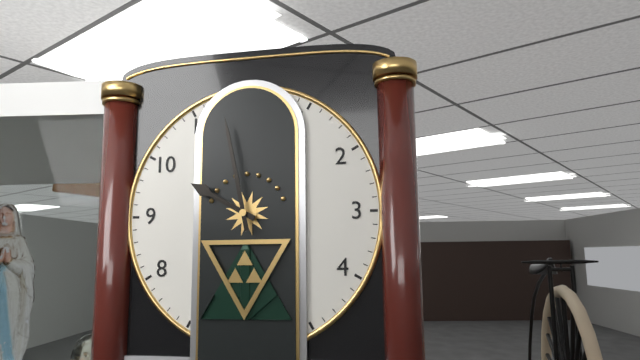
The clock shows 9:58
